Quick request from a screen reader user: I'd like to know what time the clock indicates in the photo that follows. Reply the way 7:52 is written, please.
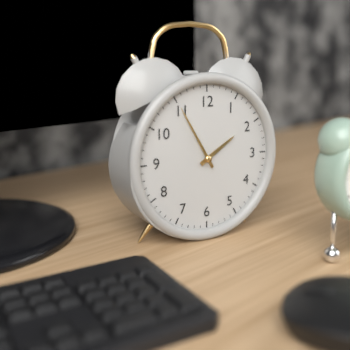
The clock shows 1:55
